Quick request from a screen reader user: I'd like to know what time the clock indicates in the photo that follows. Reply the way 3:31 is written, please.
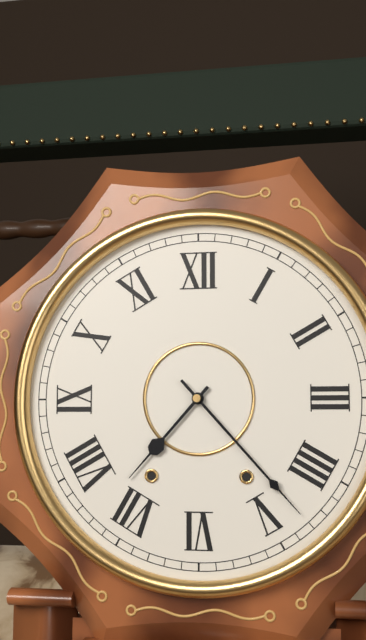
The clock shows 7:23
